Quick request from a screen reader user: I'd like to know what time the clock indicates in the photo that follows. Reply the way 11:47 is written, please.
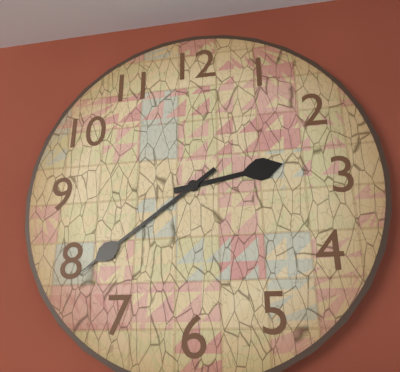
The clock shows 2:39
